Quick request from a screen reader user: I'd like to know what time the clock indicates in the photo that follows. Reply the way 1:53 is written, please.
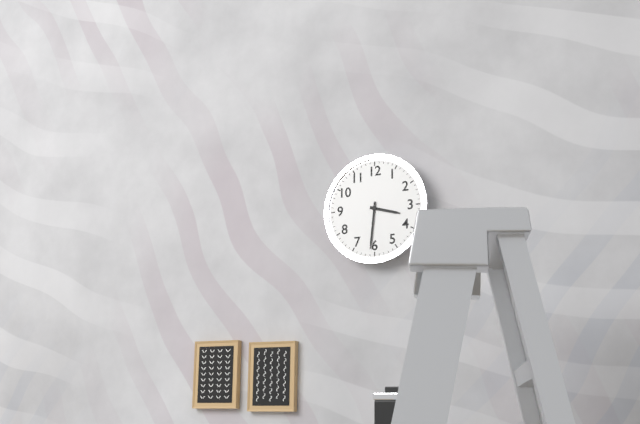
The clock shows 3:31
